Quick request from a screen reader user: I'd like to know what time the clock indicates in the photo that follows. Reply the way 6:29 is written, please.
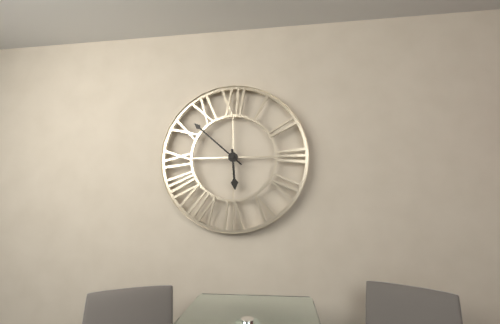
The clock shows 5:52
